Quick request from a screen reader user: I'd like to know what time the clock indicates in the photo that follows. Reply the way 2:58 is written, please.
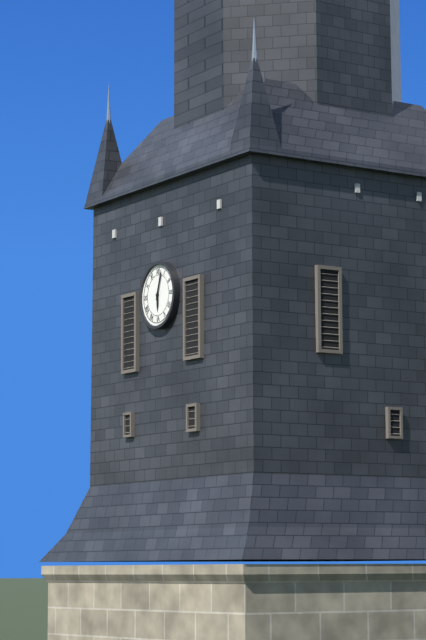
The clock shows 6:03
